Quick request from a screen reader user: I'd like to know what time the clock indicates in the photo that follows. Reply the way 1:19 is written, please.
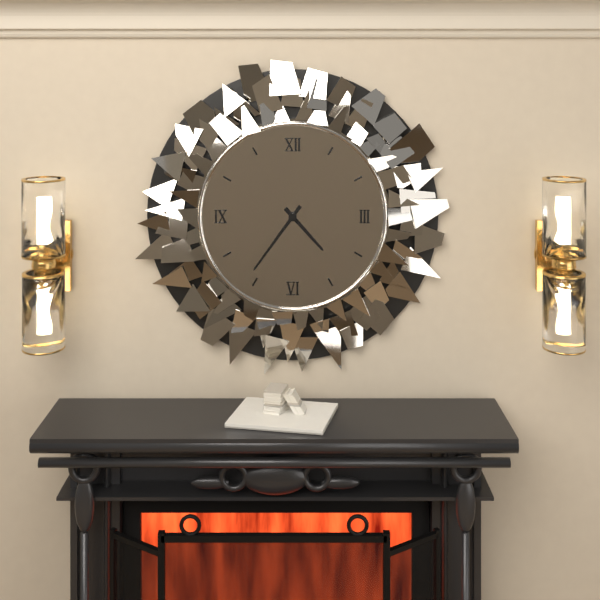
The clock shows 4:36
